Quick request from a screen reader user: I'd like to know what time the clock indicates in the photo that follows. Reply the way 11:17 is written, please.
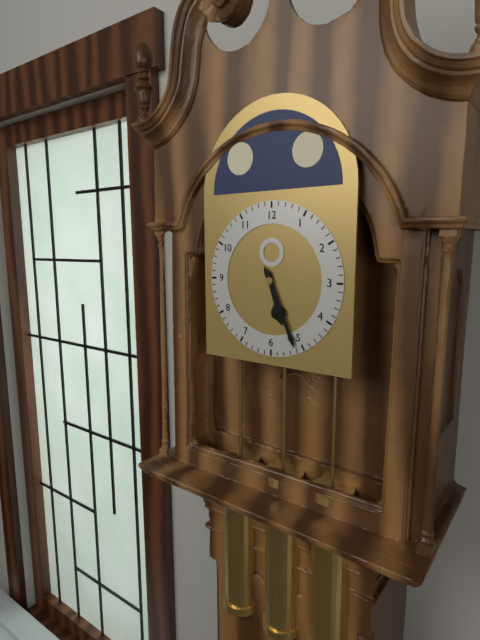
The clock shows 5:26
